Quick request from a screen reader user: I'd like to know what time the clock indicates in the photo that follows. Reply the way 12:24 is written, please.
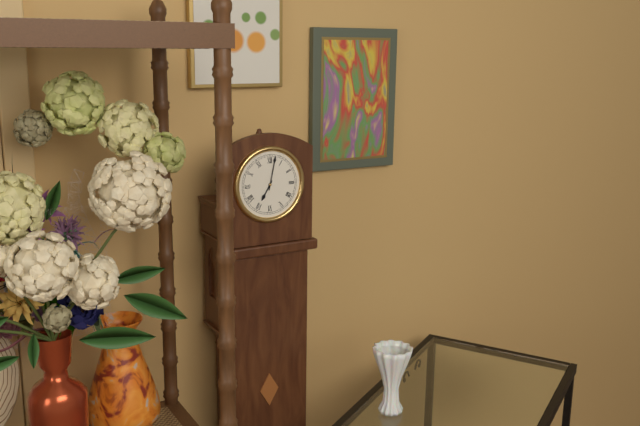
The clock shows 7:02
